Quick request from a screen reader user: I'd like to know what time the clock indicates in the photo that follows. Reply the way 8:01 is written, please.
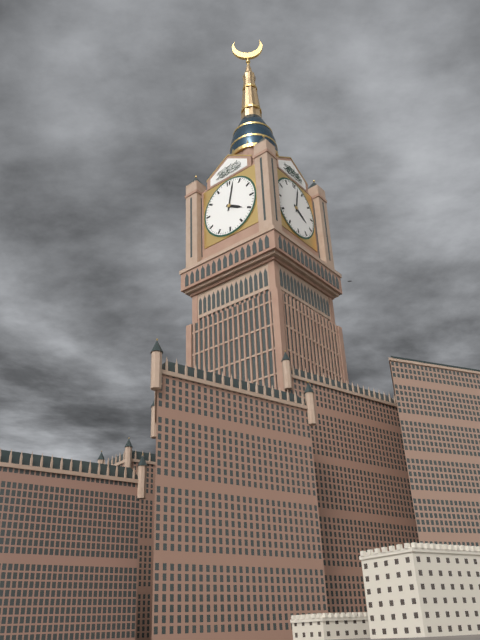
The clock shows 4:02
